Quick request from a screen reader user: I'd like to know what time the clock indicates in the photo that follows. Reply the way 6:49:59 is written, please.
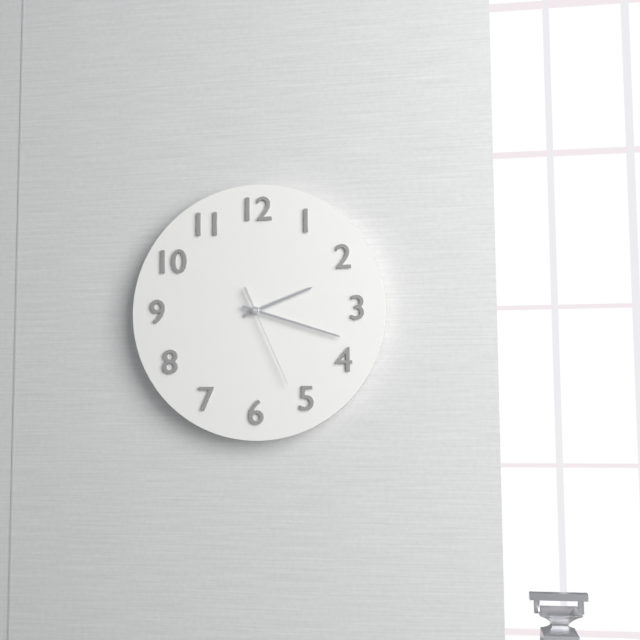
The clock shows 2:18:26
